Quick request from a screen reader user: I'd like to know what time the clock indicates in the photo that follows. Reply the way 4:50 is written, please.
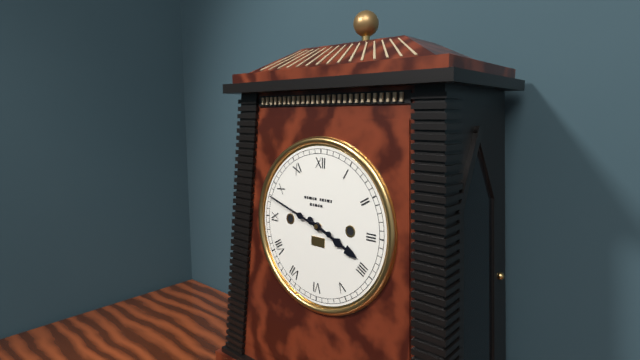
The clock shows 3:48
